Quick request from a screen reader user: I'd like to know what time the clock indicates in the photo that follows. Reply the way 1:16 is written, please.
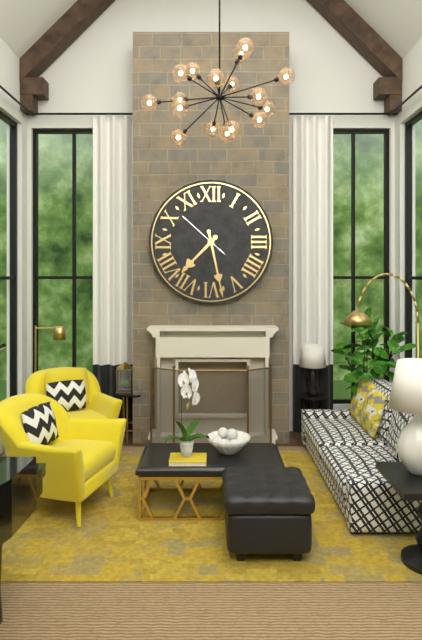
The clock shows 7:28
